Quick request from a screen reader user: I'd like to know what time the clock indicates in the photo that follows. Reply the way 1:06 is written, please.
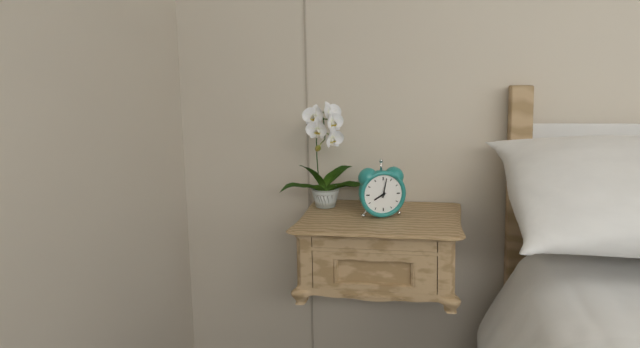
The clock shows 8:02
